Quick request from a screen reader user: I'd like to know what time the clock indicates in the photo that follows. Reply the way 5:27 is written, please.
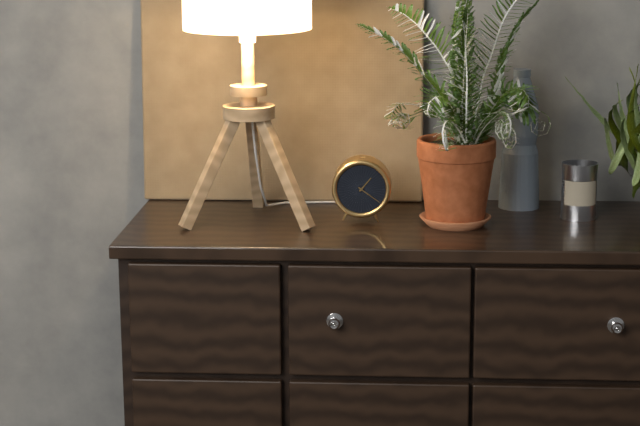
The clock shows 1:21
